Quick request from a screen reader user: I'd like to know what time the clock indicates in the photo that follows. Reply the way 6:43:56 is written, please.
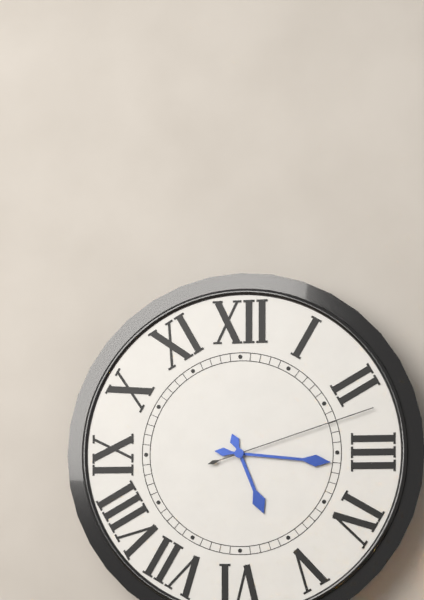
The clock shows 5:16:12
